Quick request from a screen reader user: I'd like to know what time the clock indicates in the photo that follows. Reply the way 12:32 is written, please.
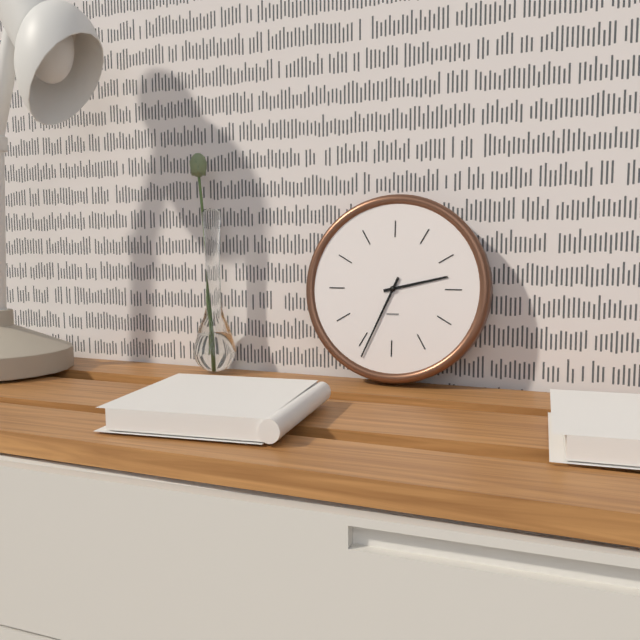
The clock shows 2:34
